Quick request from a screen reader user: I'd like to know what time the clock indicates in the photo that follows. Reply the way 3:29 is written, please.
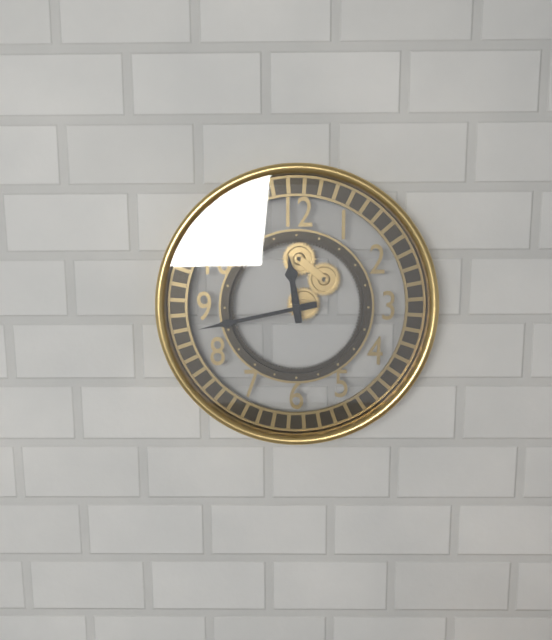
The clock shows 11:43
